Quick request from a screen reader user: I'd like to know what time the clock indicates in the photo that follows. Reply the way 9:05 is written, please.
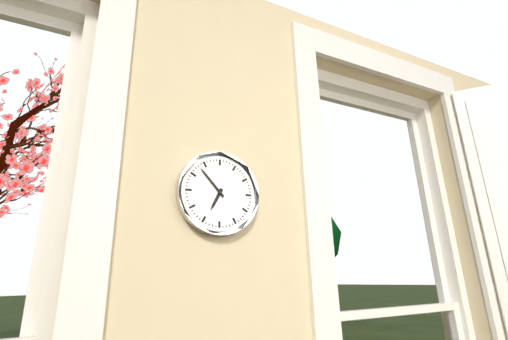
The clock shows 6:53
